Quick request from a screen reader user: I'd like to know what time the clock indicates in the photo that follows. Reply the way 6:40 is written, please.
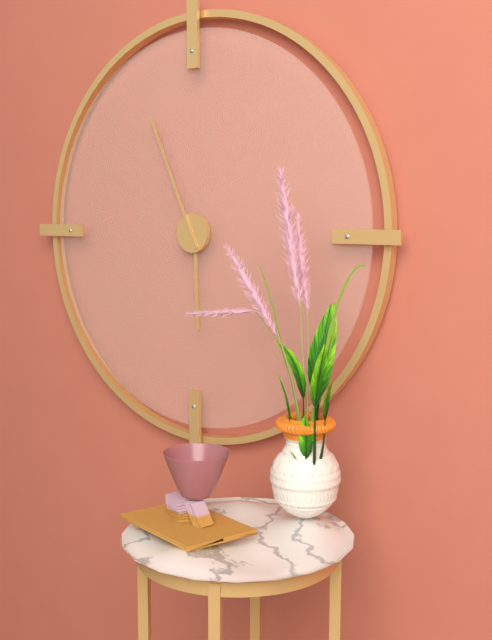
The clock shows 5:56
